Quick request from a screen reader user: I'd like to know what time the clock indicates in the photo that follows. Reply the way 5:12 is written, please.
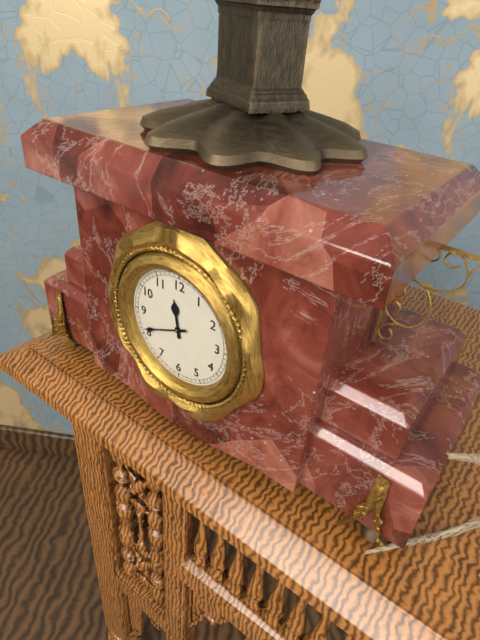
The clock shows 11:41
